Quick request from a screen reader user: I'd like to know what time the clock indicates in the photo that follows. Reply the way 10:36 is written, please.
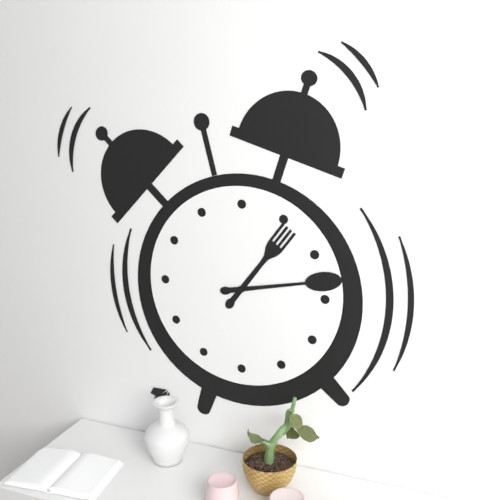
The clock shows 1:13
